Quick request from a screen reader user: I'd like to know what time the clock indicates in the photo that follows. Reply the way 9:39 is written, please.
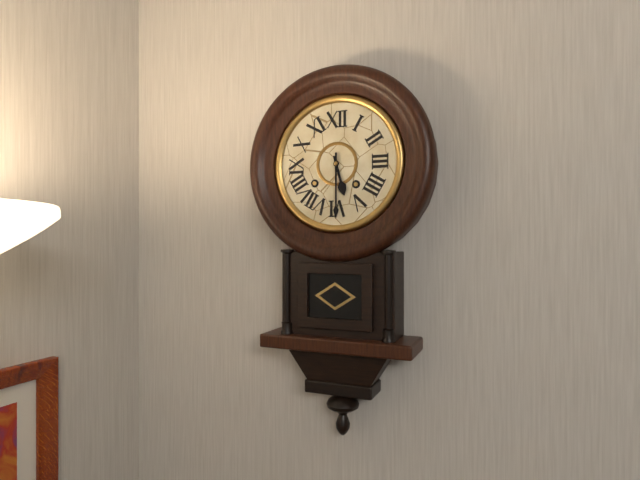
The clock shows 5:30
